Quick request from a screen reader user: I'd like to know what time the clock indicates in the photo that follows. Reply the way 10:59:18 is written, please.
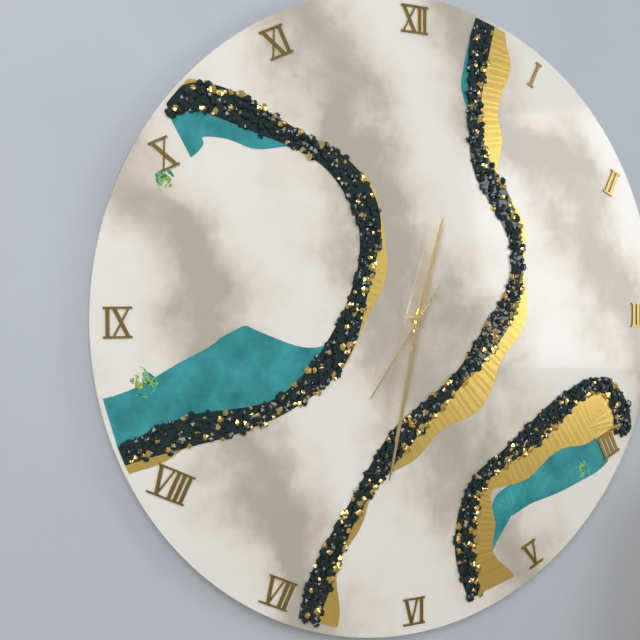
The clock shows 12:32:36
